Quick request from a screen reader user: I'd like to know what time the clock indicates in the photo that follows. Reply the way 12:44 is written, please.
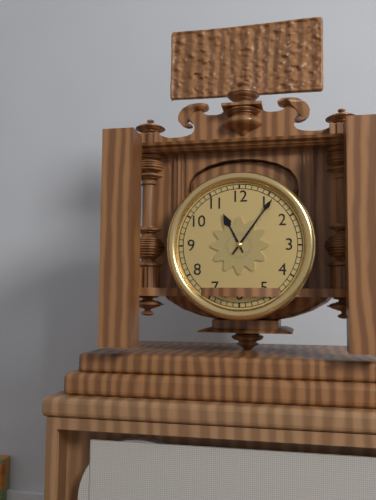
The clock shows 11:06
